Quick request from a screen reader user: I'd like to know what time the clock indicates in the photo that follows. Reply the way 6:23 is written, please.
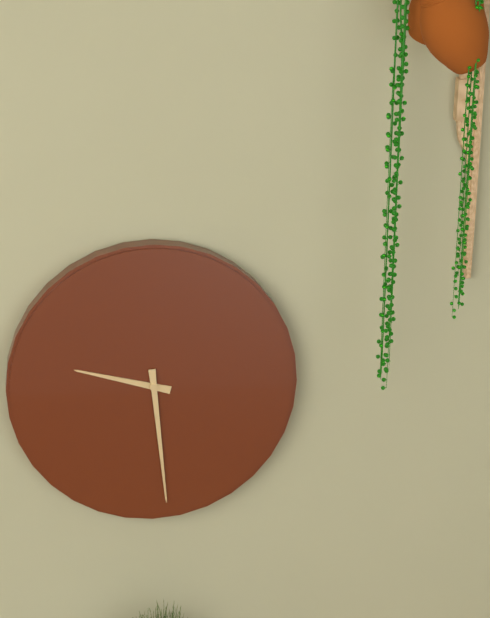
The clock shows 9:29
